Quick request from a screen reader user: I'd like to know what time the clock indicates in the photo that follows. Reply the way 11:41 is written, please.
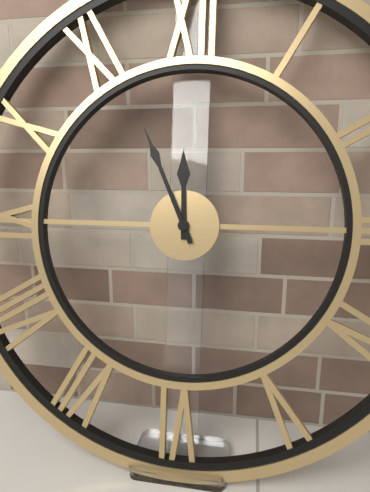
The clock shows 11:56
